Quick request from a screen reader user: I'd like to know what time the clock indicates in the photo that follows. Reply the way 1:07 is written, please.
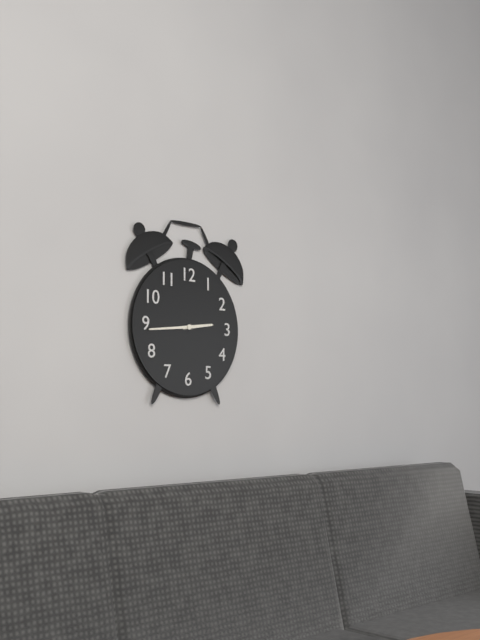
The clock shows 2:44
